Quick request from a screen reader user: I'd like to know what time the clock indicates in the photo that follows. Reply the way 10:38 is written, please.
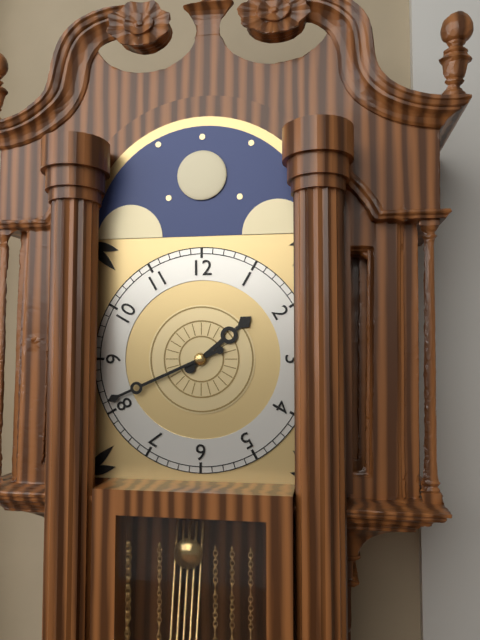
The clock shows 1:41
